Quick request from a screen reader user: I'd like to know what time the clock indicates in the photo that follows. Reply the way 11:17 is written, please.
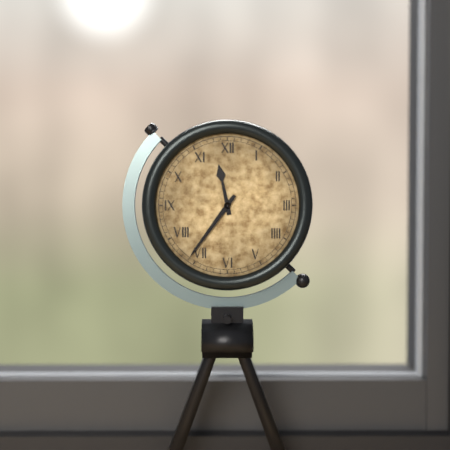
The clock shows 11:36
